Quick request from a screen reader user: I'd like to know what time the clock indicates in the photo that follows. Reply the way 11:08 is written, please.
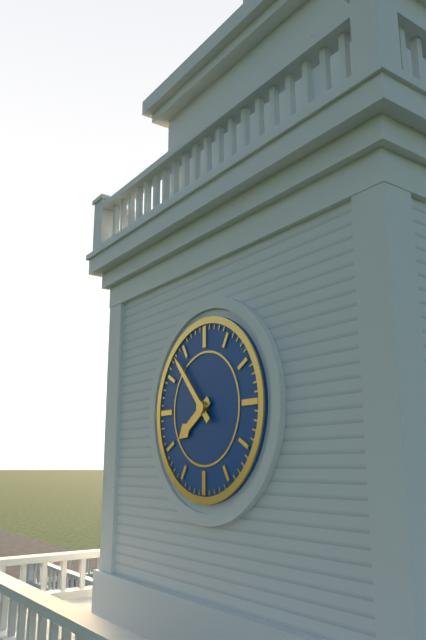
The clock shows 7:53
